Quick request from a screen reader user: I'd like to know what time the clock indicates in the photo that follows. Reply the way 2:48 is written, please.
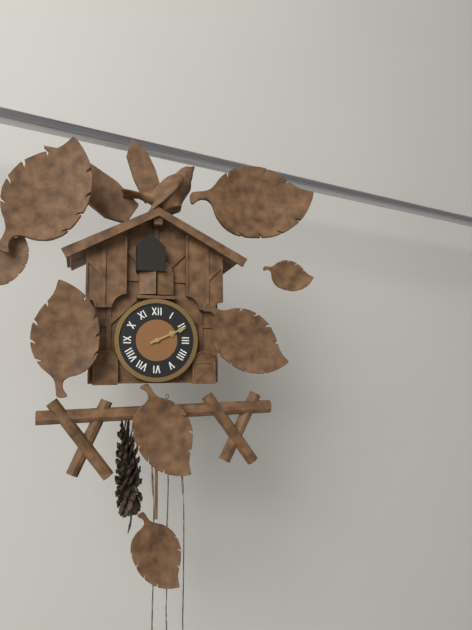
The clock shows 2:11
